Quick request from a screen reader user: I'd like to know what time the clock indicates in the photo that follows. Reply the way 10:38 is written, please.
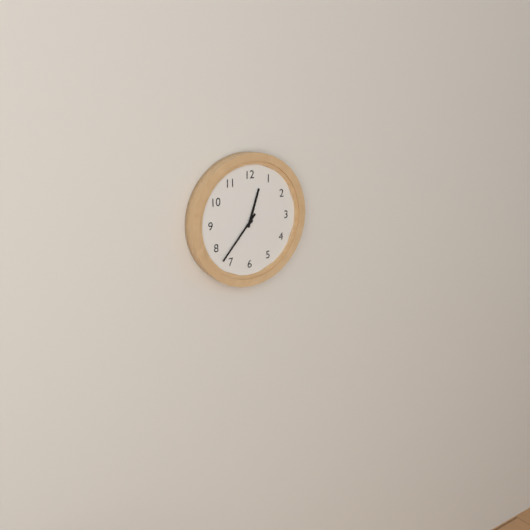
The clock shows 12:37
